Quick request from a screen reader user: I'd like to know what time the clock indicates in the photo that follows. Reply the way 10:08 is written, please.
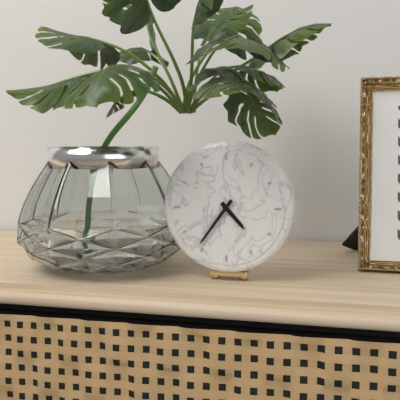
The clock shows 4:36
